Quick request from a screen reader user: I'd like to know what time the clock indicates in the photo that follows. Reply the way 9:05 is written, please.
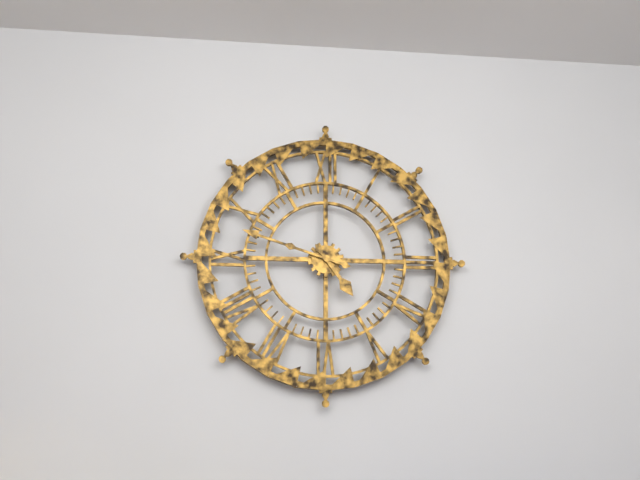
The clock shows 4:48
